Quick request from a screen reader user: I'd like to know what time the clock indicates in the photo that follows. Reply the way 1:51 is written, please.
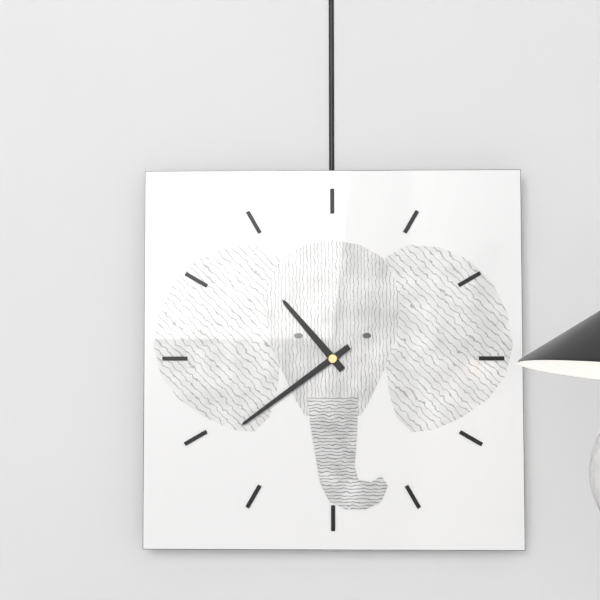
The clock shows 10:39
